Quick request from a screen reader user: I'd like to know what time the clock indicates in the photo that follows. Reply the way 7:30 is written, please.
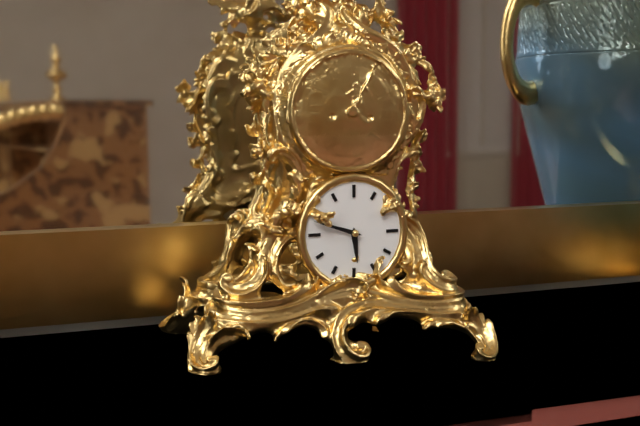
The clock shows 5:48
